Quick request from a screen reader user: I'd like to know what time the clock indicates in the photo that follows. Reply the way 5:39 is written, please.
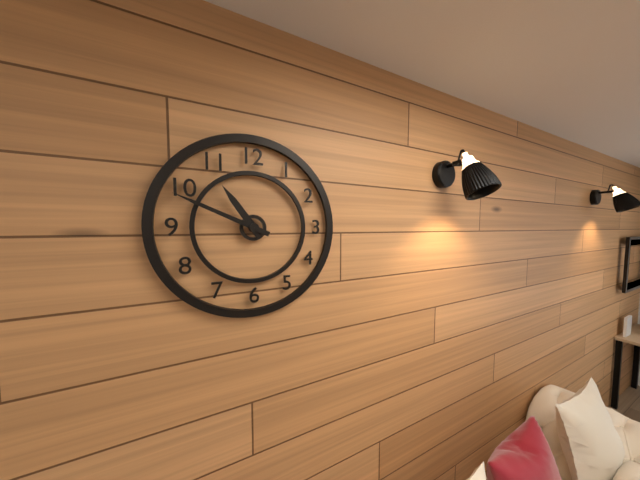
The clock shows 10:49
